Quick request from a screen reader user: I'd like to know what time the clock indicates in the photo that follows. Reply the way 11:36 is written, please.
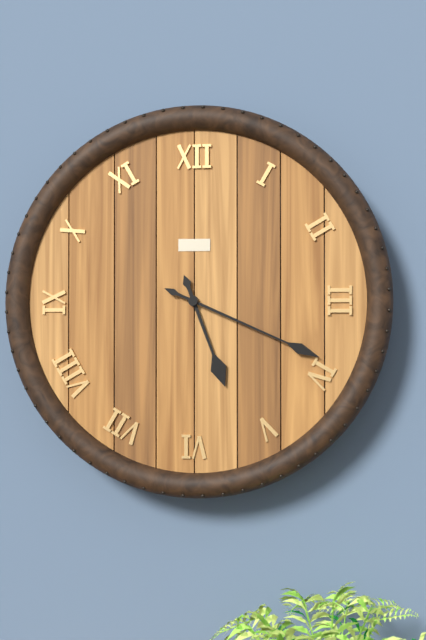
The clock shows 5:19
